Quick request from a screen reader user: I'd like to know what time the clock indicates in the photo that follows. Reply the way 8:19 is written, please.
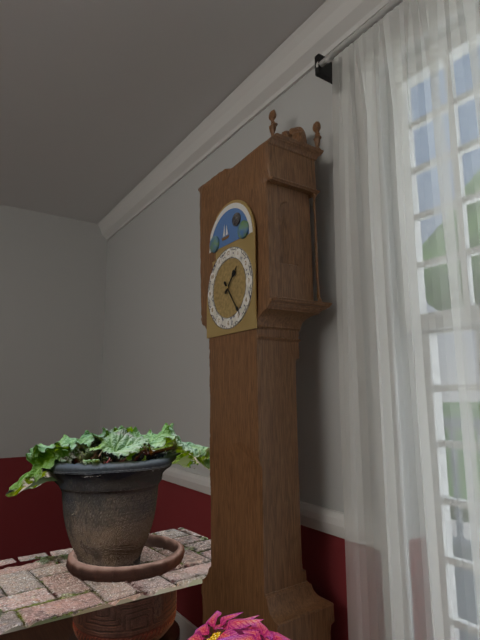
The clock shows 1:24
